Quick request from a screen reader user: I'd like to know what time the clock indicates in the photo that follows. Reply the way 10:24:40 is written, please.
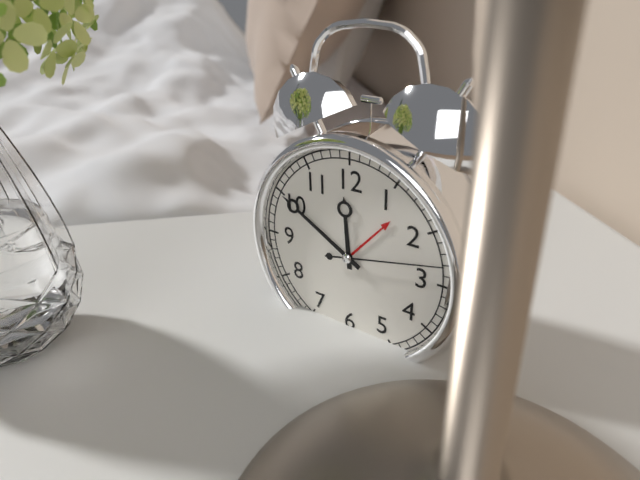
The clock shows 11:50:13
